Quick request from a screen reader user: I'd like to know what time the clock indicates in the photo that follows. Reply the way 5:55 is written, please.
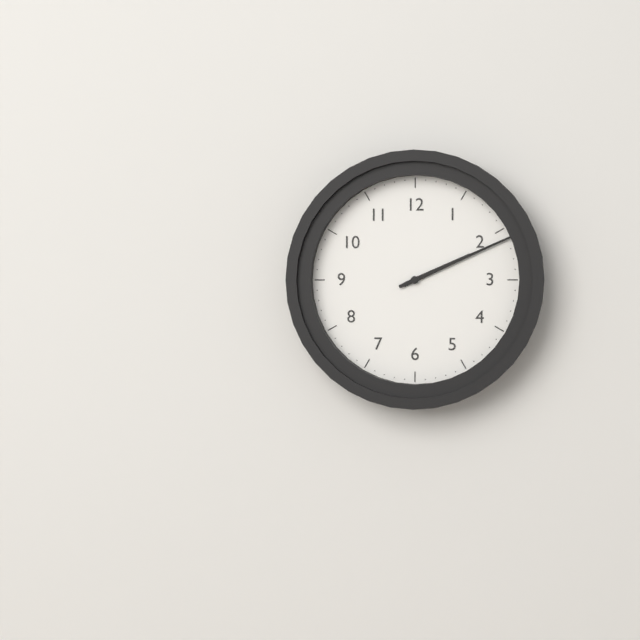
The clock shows 2:11
